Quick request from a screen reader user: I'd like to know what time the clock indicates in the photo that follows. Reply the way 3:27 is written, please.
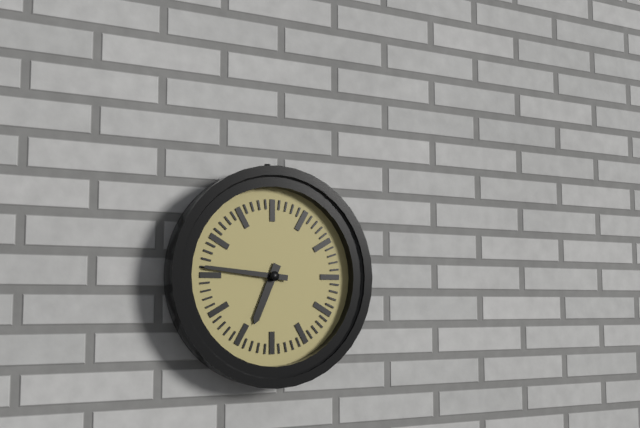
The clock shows 6:46
